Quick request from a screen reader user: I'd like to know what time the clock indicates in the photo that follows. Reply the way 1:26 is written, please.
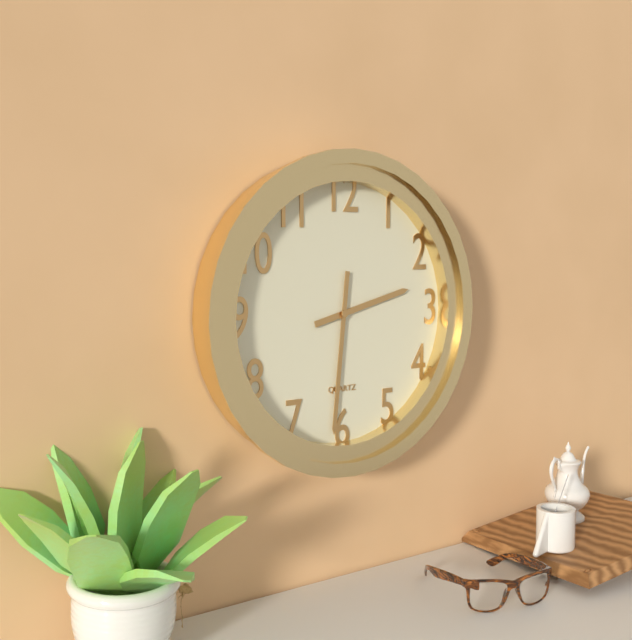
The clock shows 2:31
